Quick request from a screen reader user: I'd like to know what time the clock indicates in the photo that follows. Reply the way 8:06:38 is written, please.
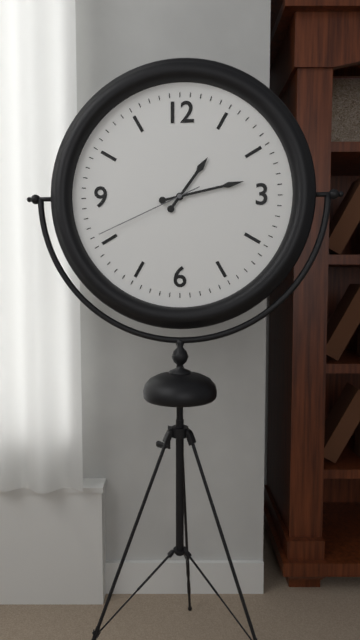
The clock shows 1:13:41
